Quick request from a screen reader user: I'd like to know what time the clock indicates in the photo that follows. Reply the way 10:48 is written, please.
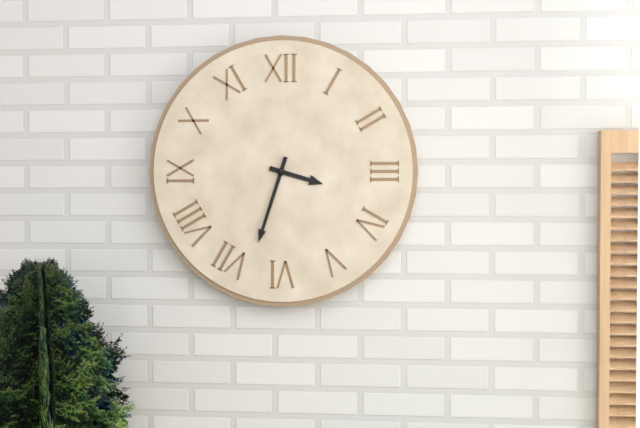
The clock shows 3:33
